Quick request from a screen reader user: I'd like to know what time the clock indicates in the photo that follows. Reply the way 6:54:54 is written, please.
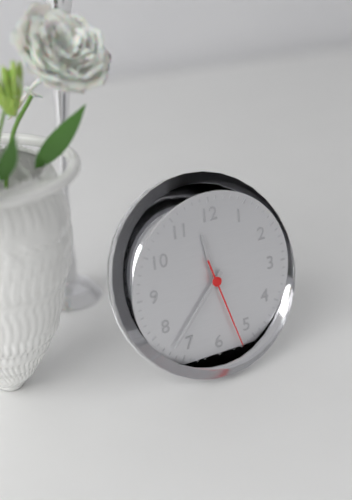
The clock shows 11:37:27
